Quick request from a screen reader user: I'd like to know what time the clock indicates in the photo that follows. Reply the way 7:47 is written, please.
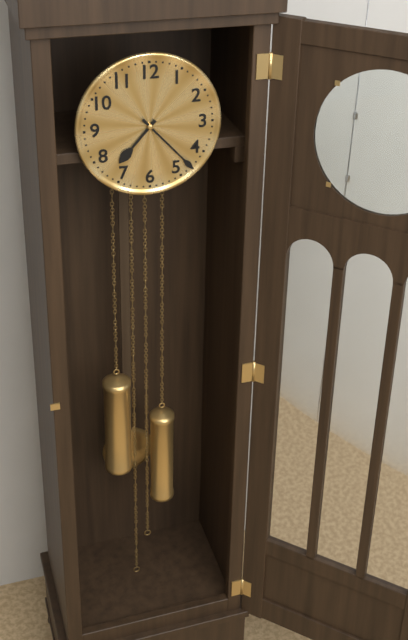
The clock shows 7:23
